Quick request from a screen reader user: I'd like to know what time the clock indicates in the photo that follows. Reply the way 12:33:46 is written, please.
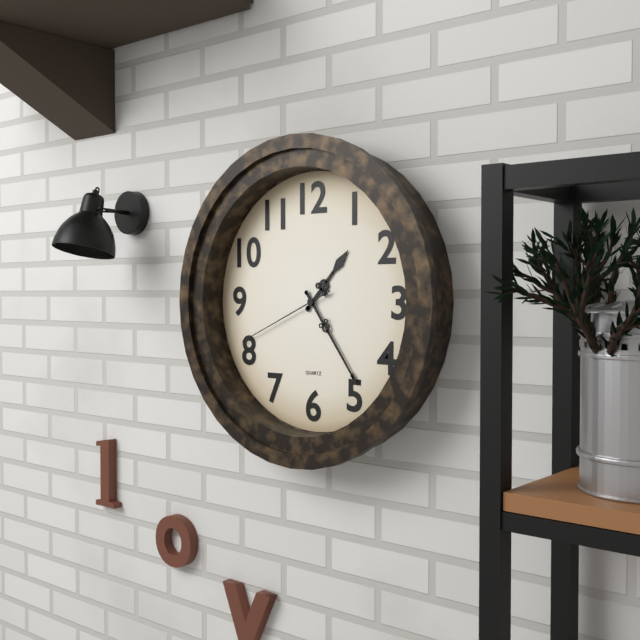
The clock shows 1:24:41
